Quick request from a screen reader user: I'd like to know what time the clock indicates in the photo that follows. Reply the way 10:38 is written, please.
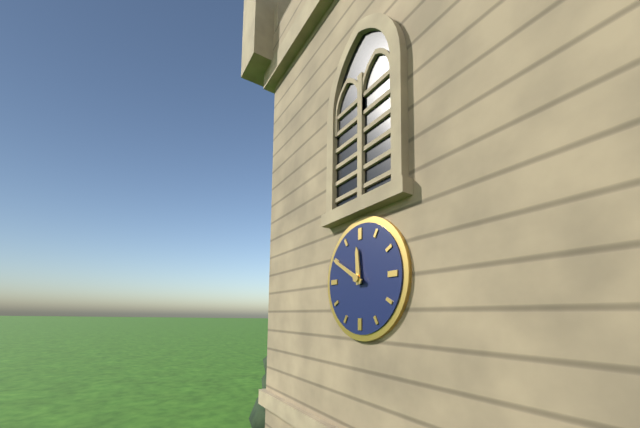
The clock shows 11:50
